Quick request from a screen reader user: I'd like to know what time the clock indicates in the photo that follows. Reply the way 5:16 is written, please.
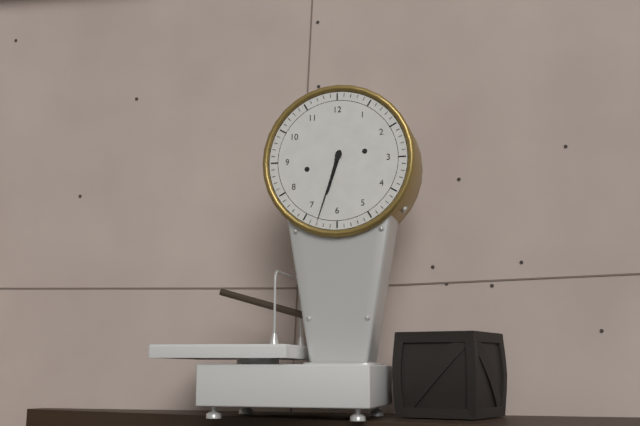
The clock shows 6:33
